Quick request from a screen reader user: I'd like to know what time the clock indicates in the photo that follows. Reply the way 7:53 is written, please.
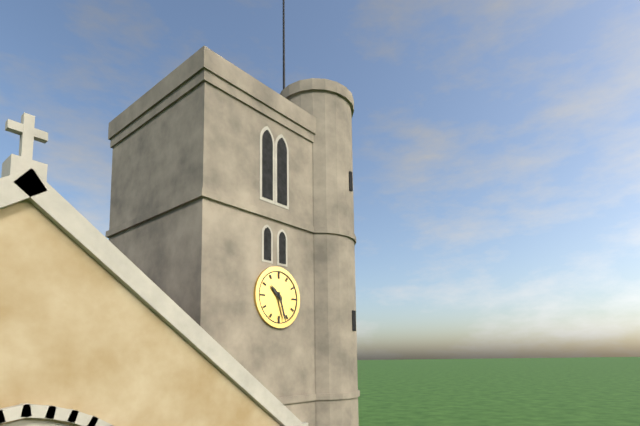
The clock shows 10:27
